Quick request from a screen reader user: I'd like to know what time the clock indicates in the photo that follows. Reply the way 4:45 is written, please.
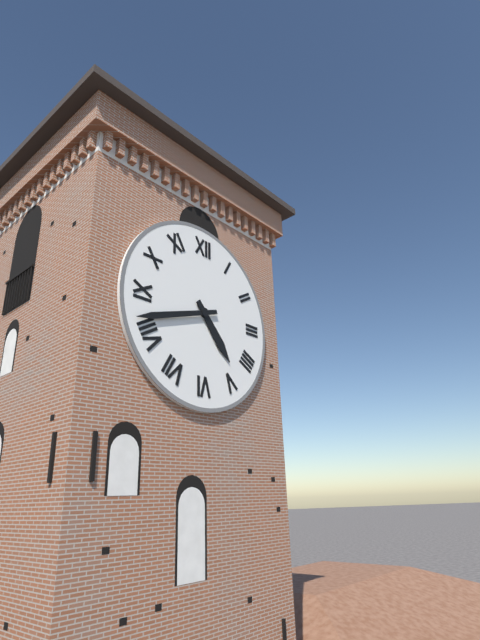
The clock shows 4:42
